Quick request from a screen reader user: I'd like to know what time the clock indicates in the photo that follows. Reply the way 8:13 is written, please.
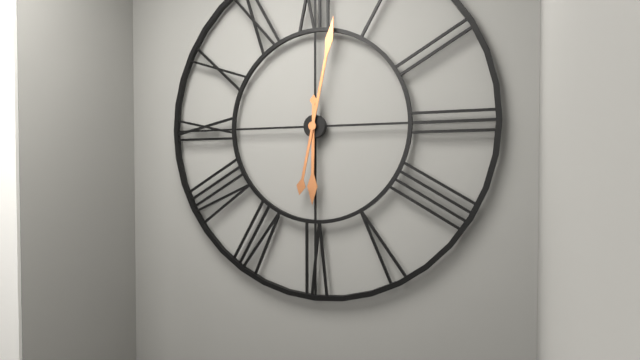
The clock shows 6:02
